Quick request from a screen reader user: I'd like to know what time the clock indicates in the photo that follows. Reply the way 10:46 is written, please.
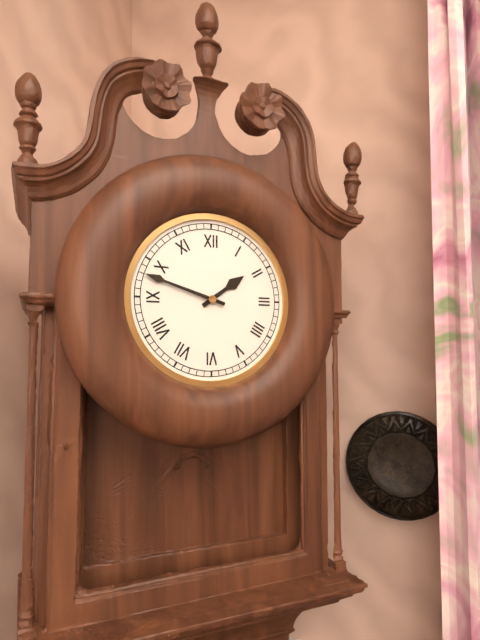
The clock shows 1:48
